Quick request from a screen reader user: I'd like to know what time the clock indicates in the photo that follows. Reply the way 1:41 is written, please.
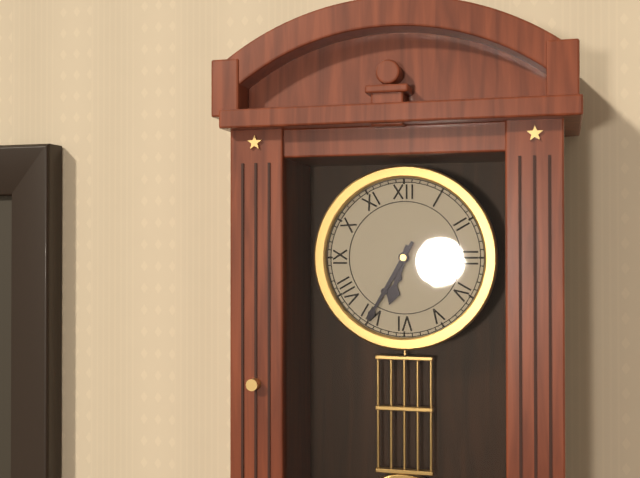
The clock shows 6:35
